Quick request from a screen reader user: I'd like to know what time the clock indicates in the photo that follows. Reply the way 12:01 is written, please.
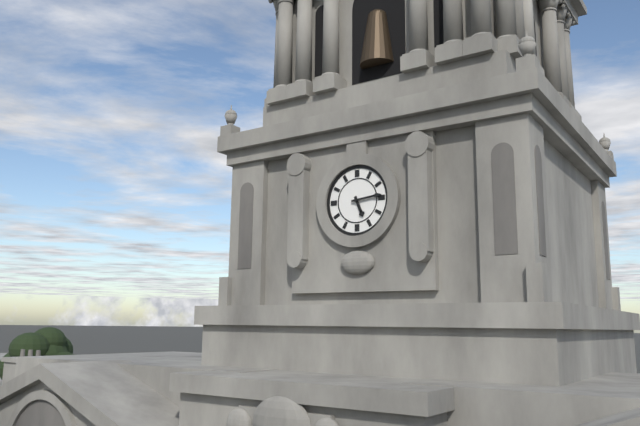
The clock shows 5:14
